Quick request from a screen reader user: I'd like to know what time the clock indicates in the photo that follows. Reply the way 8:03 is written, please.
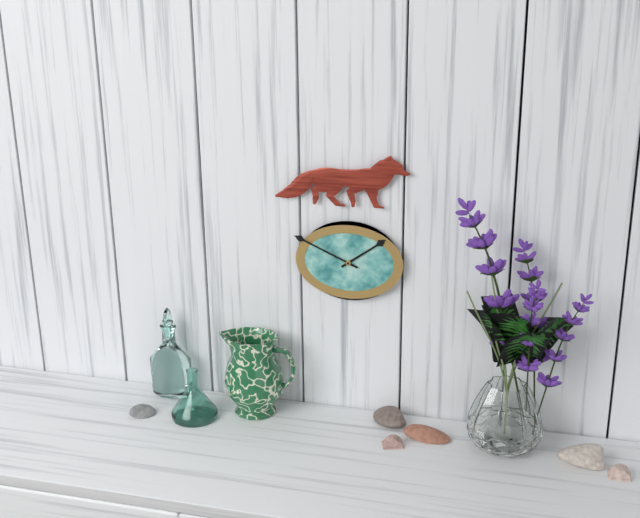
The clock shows 1:49
